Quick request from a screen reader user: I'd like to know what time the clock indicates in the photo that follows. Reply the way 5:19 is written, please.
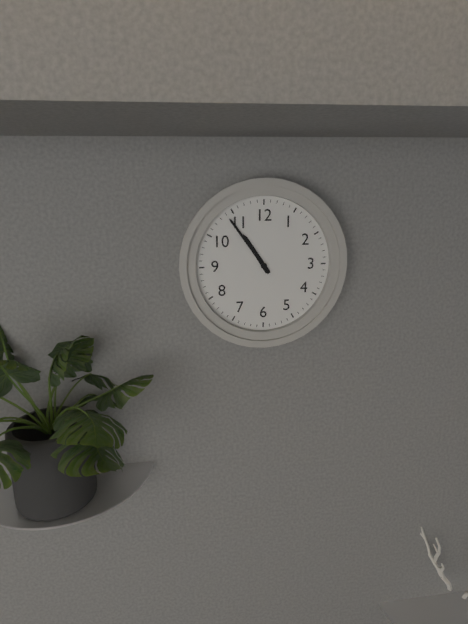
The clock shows 10:54
